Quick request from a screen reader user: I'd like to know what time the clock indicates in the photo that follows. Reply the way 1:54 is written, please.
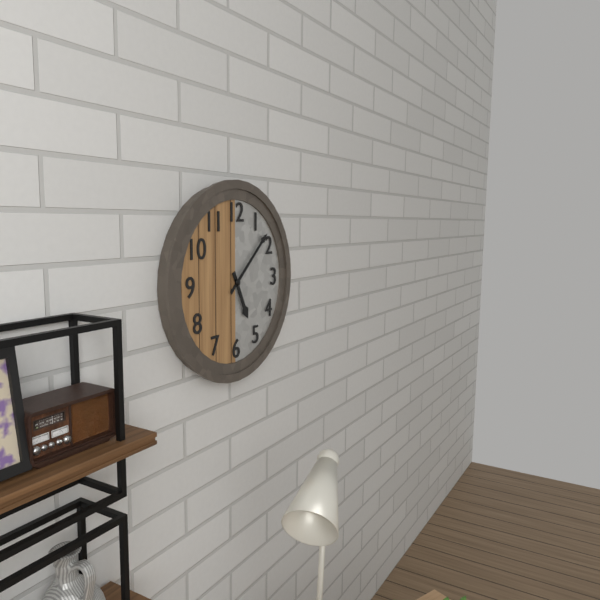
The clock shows 5:08
